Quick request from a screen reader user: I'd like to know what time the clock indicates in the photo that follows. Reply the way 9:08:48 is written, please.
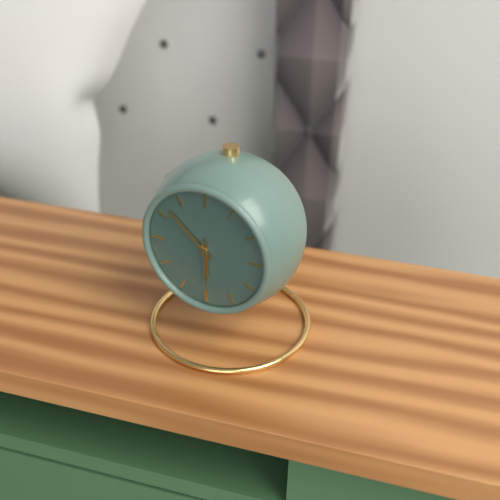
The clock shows 5:52:30
